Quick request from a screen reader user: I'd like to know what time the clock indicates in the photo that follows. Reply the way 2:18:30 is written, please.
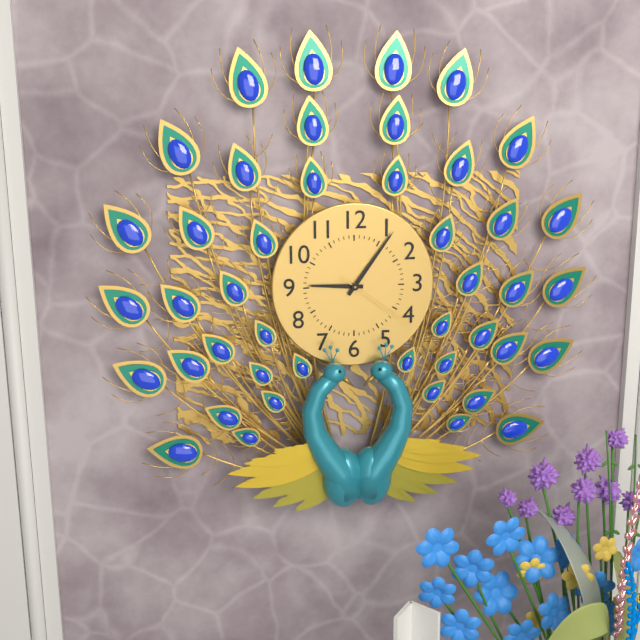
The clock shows 9:06:21
